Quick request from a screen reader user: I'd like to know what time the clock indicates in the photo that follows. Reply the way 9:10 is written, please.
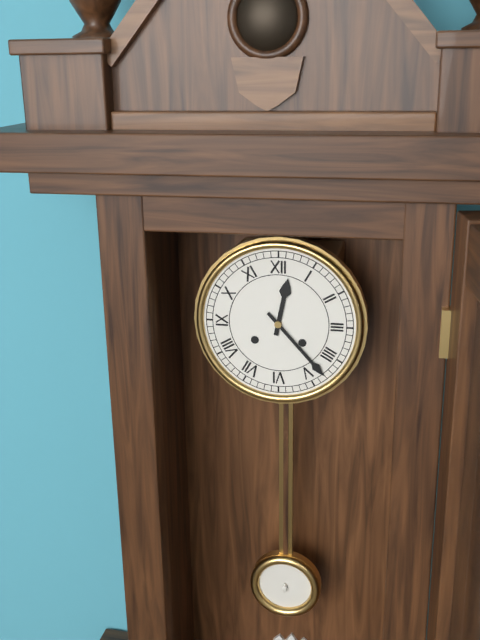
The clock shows 12:23
